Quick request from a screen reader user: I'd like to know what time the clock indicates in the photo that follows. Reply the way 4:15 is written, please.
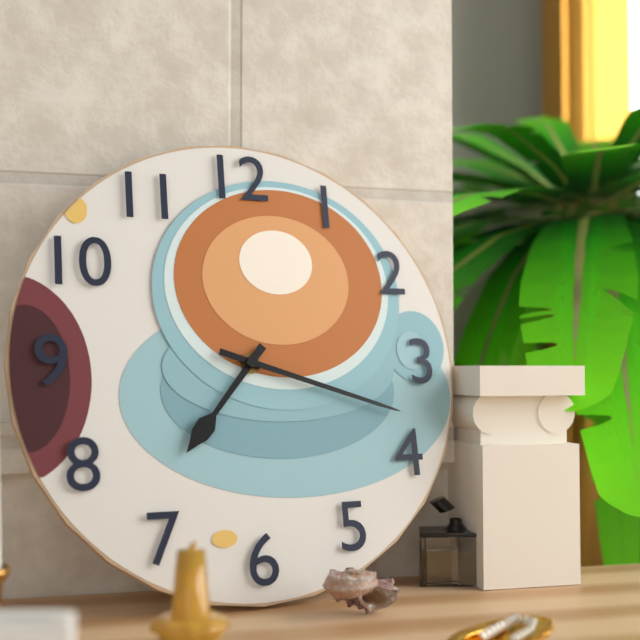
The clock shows 7:18
